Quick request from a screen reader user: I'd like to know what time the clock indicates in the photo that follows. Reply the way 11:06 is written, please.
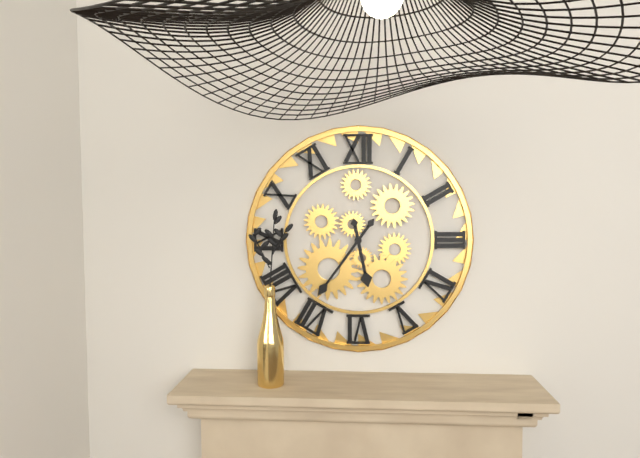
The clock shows 5:36
